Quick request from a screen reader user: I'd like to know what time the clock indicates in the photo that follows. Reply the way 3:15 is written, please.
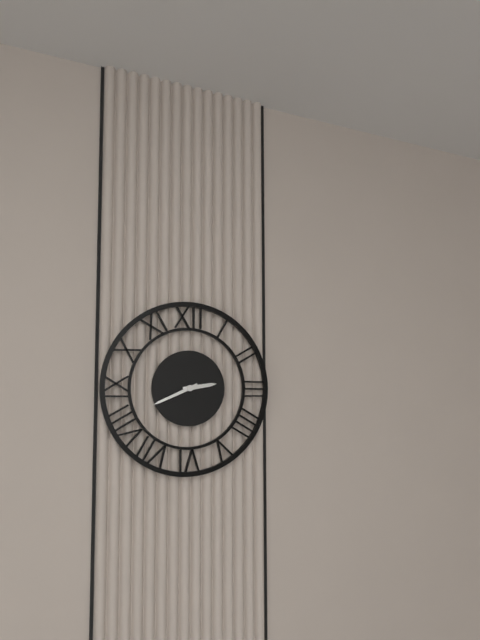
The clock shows 2:41
